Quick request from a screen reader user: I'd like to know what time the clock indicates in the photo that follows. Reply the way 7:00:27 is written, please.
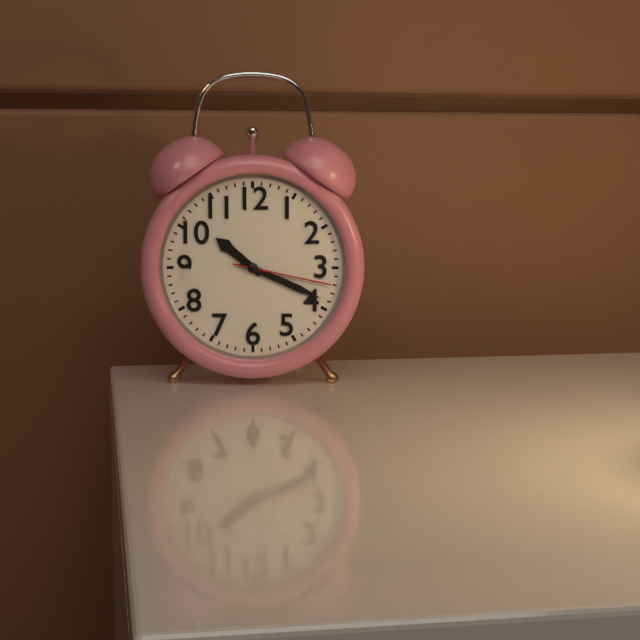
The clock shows 10:19:17
